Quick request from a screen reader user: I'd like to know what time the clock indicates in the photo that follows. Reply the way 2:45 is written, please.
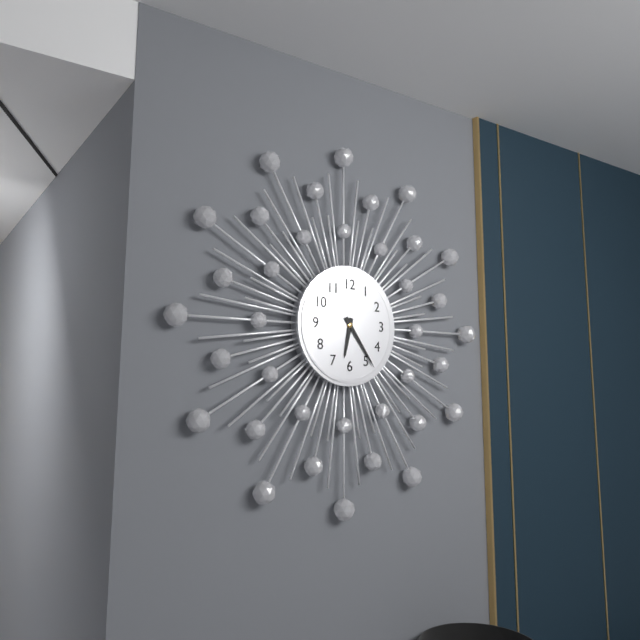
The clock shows 6:24
